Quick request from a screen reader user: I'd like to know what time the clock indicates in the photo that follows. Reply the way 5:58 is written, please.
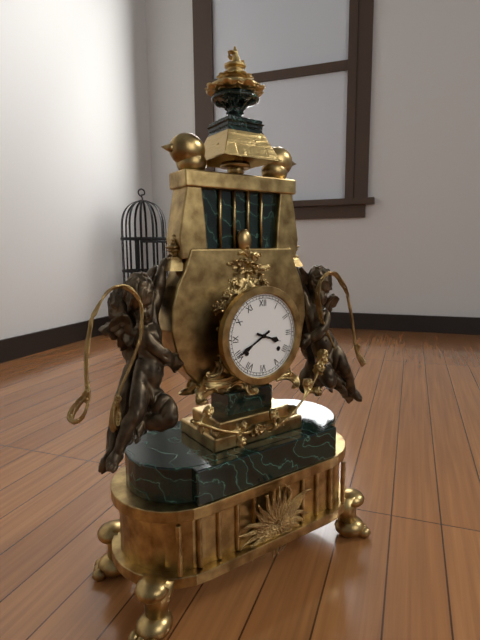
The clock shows 3:40
